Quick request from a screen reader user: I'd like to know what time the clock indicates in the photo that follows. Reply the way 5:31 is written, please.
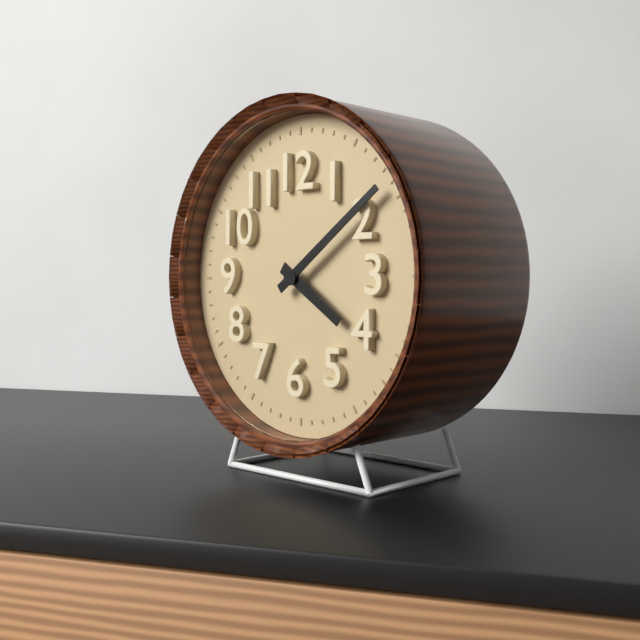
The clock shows 4:09
